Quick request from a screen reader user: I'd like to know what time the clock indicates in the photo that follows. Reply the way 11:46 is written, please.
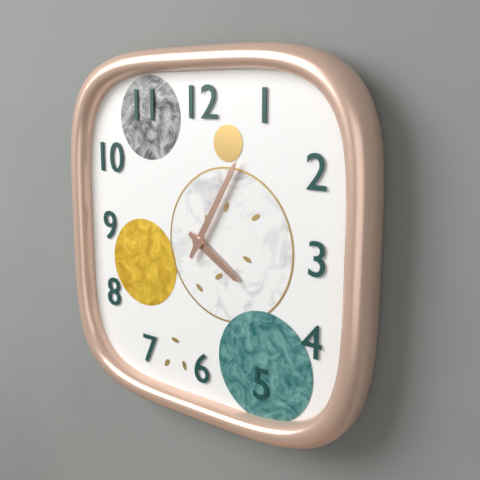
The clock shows 4:05
